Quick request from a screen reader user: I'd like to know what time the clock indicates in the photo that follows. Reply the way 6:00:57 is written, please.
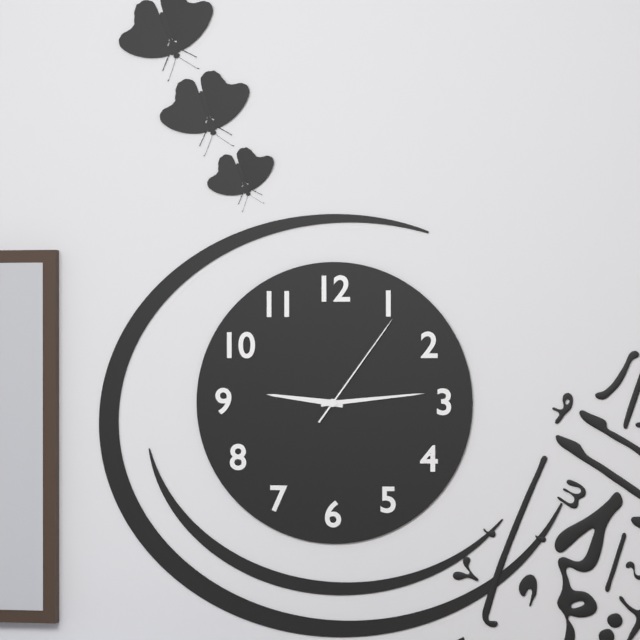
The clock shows 9:14:06
